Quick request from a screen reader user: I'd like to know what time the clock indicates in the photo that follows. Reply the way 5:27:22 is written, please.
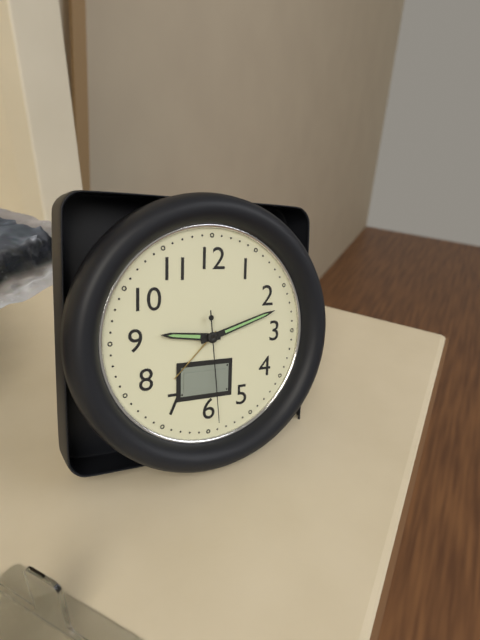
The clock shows 9:12:29
